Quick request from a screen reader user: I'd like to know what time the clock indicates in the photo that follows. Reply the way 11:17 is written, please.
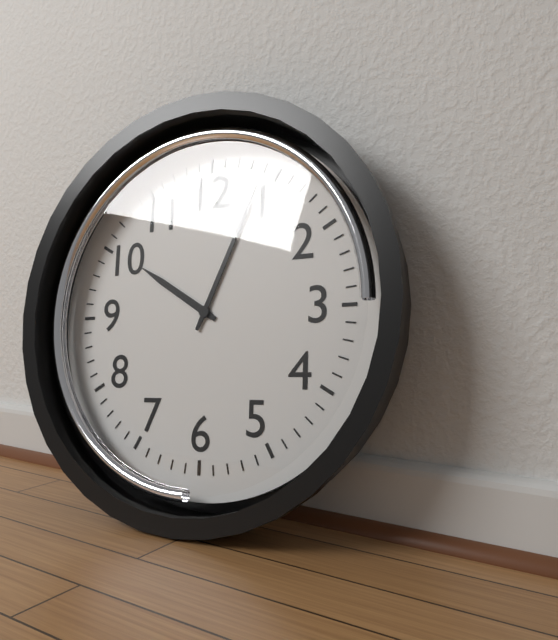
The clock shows 10:04
